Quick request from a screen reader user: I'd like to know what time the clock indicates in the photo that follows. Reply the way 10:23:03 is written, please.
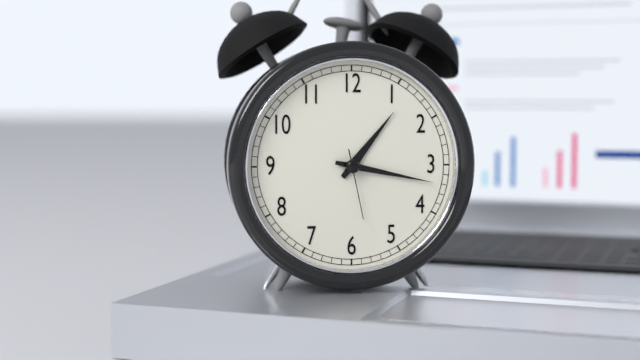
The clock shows 1:17:28
